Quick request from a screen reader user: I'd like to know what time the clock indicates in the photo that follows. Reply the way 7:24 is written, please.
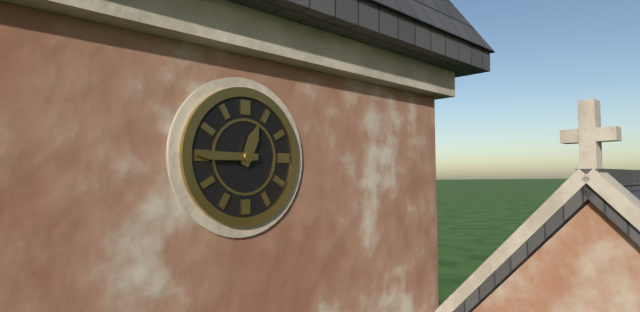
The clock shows 12:45
